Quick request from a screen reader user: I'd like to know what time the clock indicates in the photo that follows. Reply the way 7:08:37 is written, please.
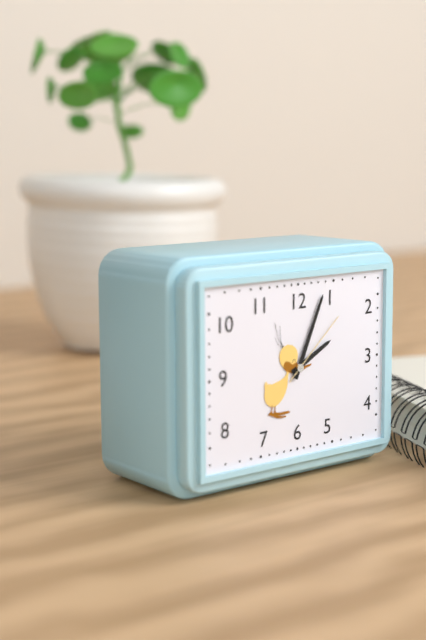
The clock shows 2:04:08
